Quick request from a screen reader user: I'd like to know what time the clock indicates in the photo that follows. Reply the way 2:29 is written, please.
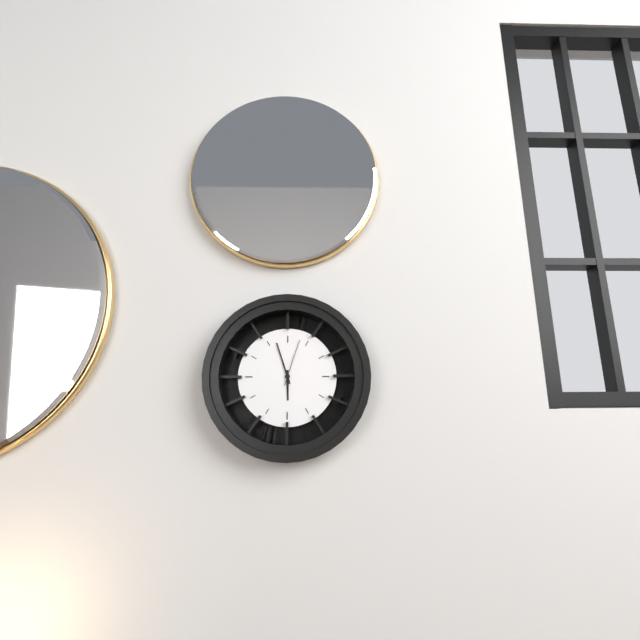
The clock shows 5:57
